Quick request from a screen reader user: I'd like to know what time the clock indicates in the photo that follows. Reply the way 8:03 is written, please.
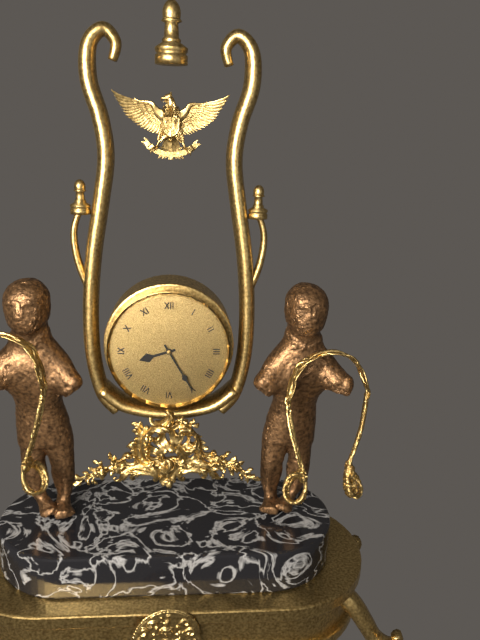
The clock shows 8:25
